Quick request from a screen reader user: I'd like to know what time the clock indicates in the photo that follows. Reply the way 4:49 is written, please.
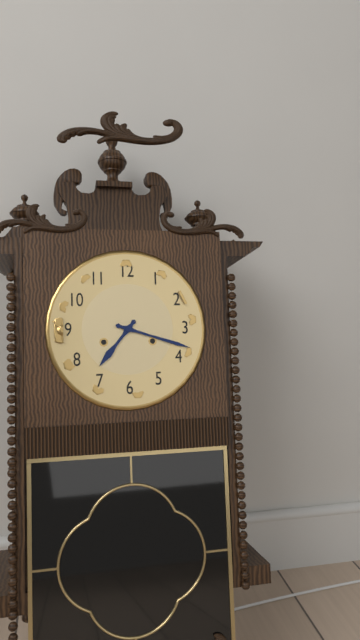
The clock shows 7:18
